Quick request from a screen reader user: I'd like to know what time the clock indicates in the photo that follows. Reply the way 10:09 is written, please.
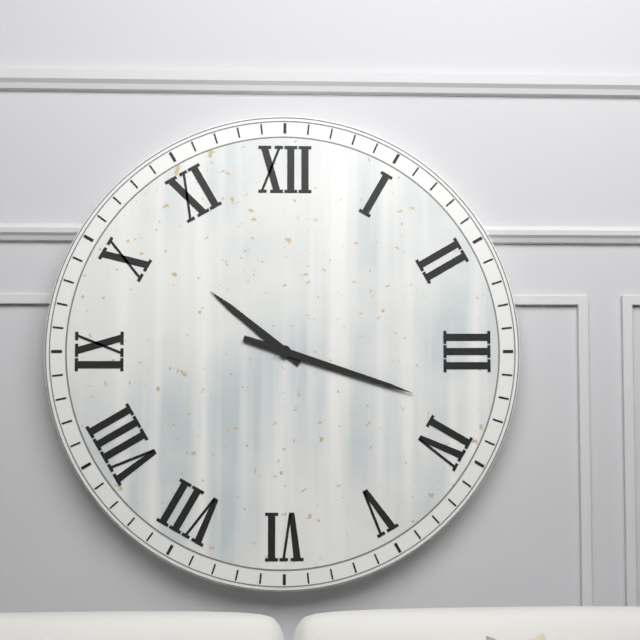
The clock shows 10:18
